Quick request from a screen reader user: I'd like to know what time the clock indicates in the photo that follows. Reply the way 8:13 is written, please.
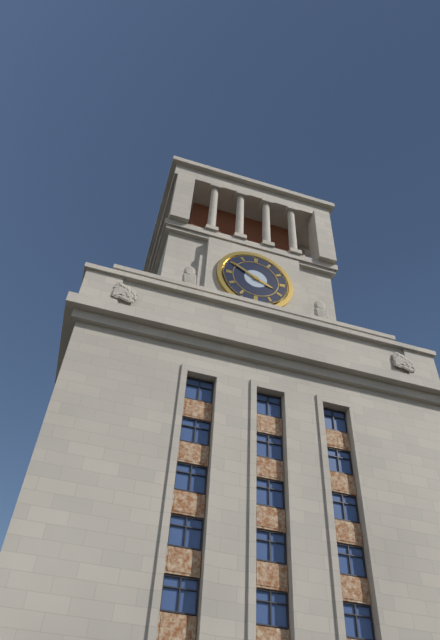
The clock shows 3:50
